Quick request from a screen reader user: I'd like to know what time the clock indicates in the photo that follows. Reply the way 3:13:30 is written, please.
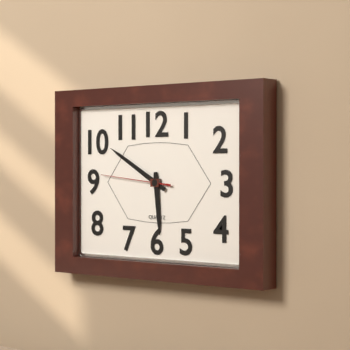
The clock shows 5:50:46
